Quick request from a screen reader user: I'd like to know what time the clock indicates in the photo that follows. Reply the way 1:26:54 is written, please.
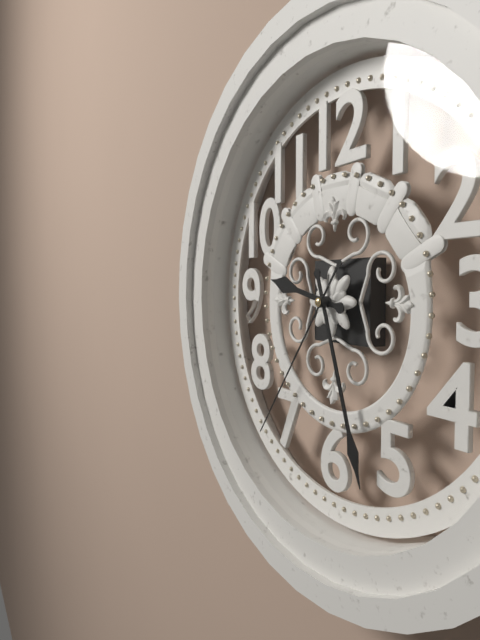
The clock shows 9:27:36
